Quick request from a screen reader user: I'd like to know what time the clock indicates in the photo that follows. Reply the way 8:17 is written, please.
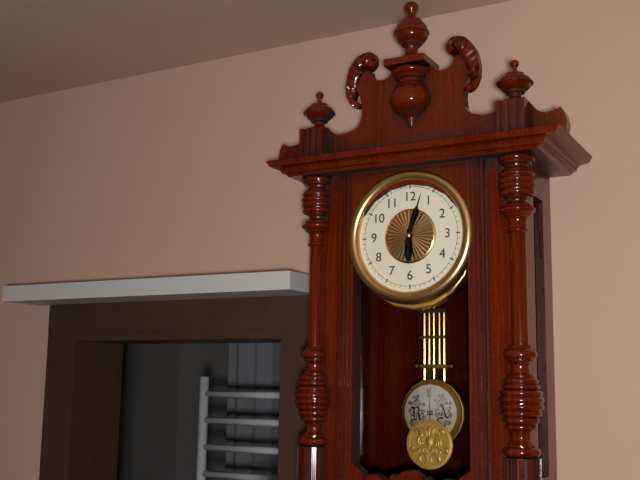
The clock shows 6:03
